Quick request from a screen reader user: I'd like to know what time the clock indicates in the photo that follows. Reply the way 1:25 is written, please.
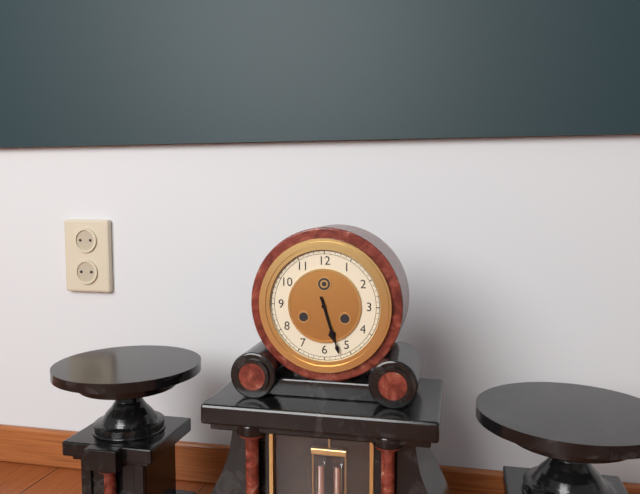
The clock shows 5:27
